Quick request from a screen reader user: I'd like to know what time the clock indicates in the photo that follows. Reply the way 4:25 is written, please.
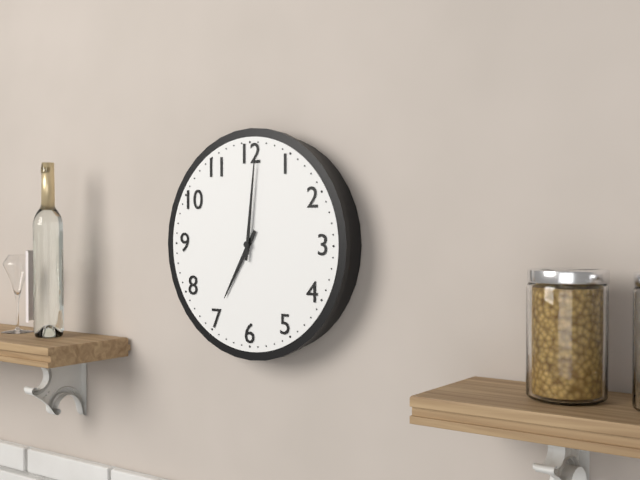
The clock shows 7:01
